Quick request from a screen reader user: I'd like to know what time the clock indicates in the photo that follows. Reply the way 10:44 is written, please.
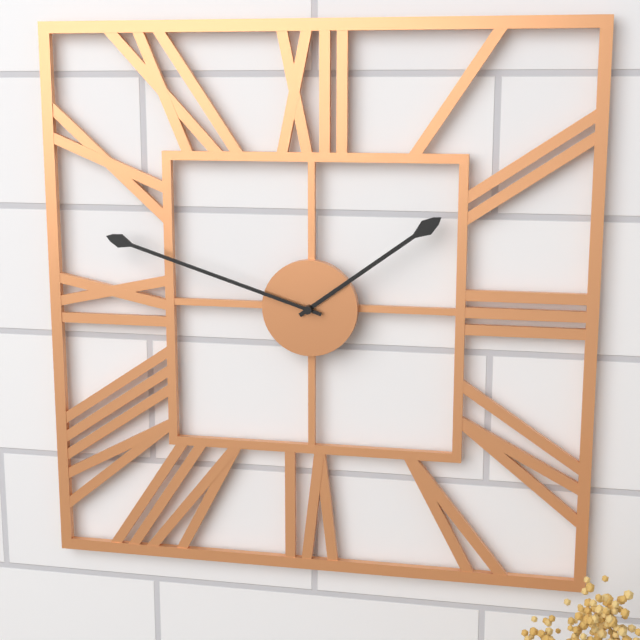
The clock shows 1:48
